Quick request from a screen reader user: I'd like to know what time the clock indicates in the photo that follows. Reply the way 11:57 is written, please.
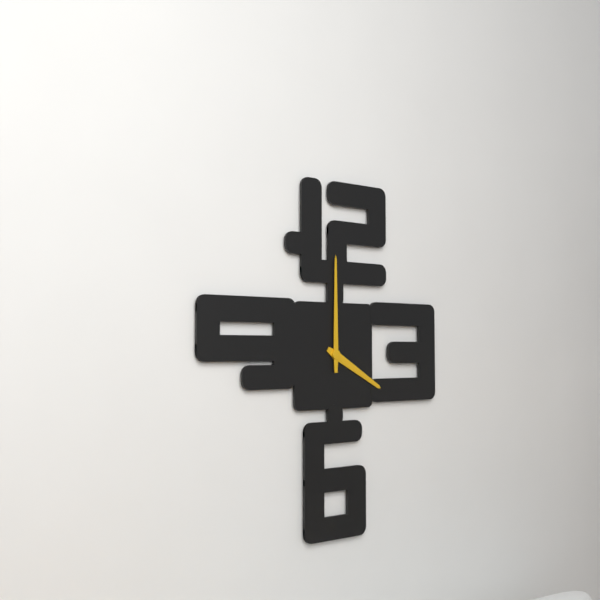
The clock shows 4:00
